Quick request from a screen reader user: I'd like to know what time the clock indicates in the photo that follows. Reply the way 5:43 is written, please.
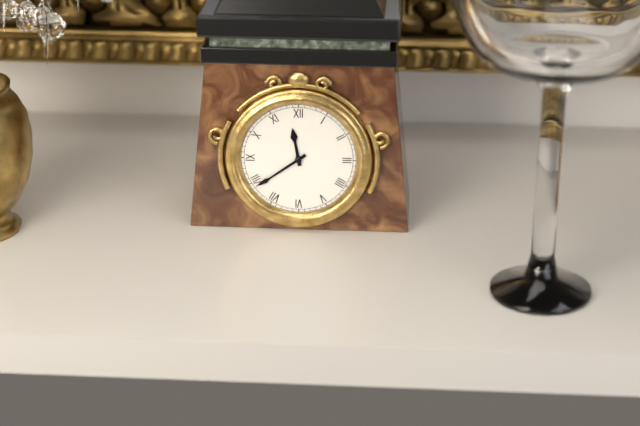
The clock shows 11:39
